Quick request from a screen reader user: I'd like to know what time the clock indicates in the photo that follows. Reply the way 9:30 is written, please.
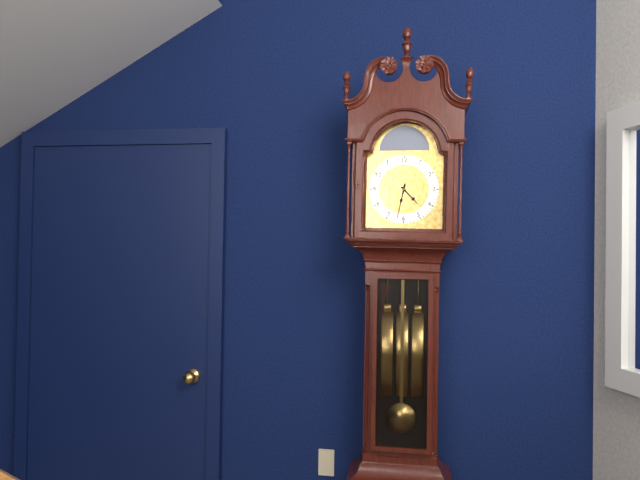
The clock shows 4:32
